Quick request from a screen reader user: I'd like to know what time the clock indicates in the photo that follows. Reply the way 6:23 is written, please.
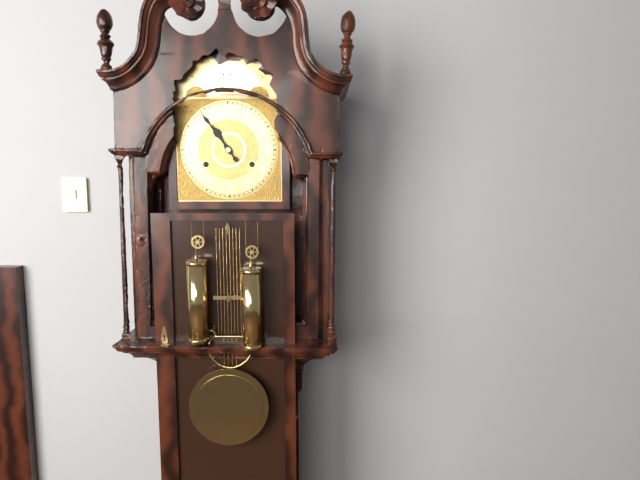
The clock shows 10:54
